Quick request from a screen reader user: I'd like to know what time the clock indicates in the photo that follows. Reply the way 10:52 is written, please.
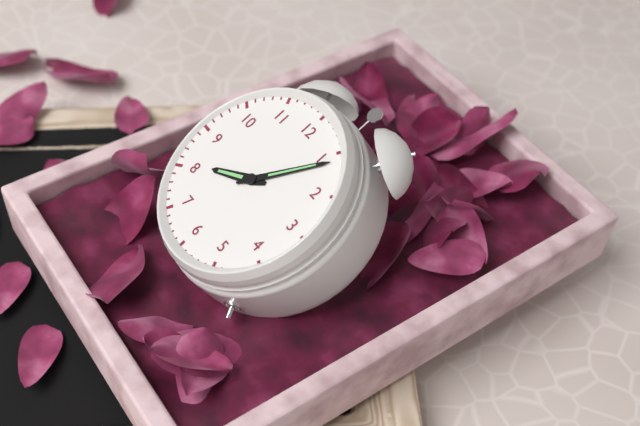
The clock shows 8:06
